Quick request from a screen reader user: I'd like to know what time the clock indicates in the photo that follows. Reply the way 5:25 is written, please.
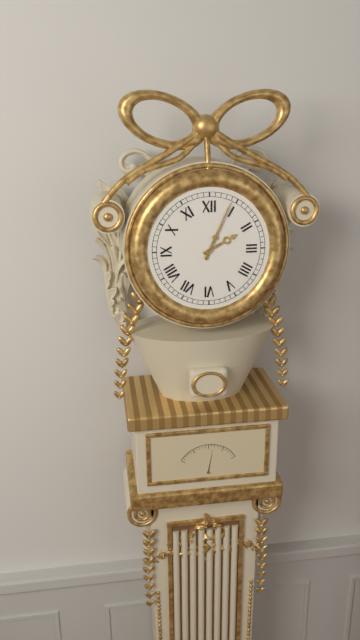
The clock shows 2:04
